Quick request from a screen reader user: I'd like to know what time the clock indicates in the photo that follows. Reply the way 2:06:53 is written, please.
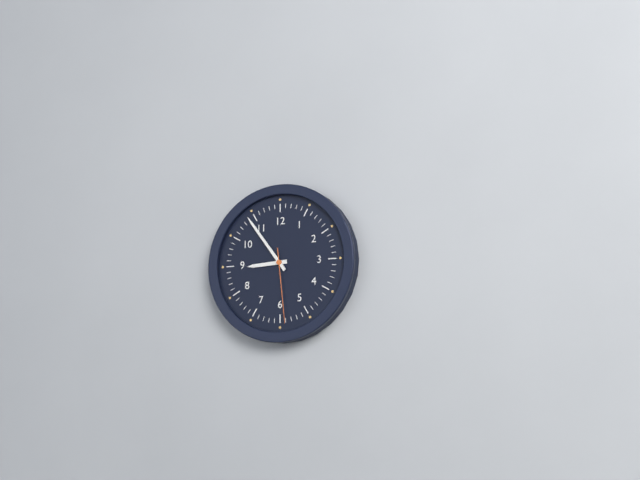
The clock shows 8:54:29
